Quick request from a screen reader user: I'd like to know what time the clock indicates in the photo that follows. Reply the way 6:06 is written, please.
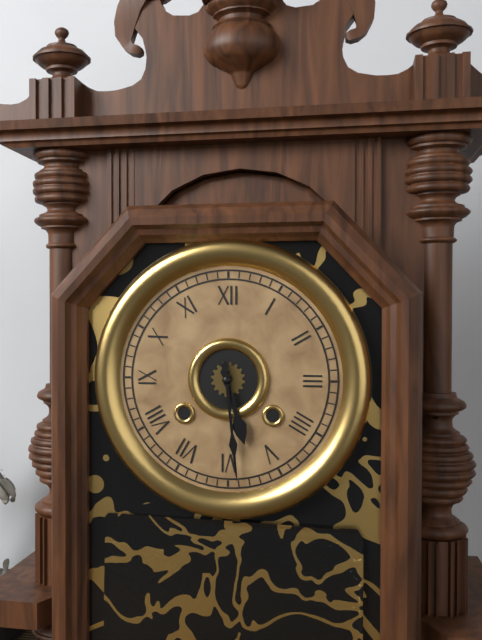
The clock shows 5:29
